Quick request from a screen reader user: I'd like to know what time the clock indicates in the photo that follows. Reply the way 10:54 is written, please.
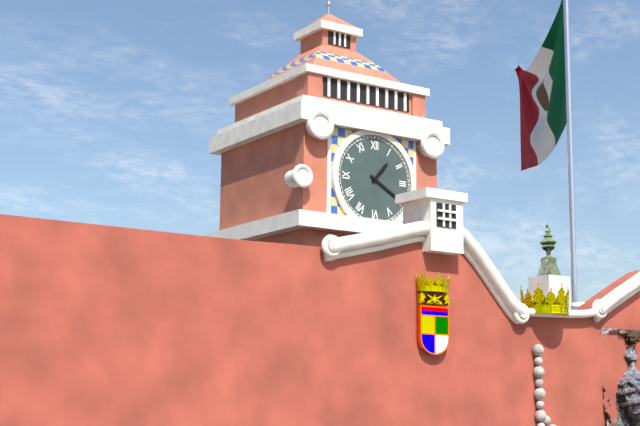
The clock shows 1:20
